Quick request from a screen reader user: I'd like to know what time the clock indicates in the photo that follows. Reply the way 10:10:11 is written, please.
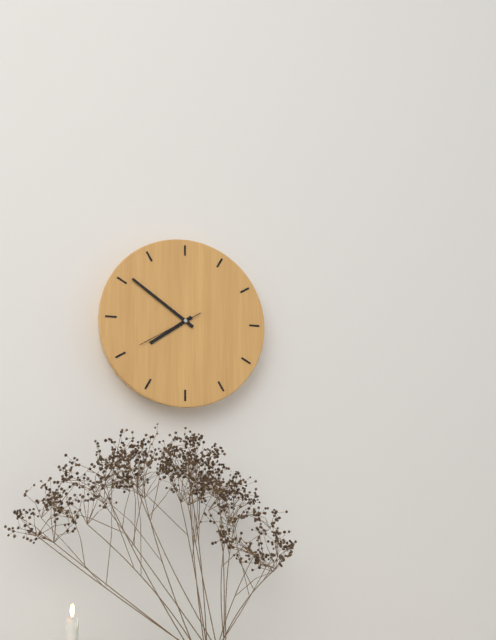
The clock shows 7:51:40
